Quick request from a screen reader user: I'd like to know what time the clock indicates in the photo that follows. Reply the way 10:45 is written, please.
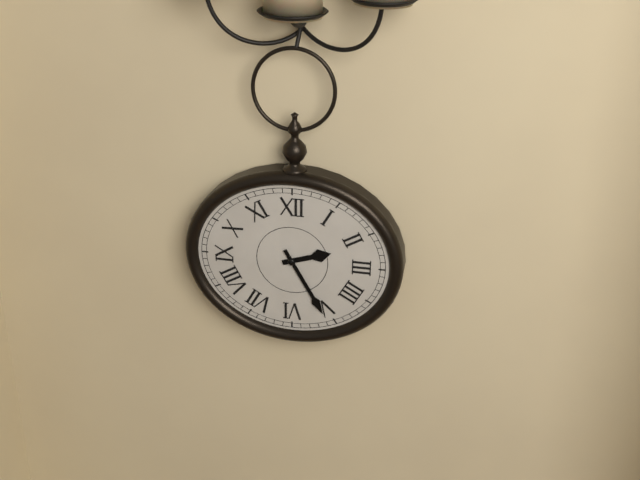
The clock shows 2:25
